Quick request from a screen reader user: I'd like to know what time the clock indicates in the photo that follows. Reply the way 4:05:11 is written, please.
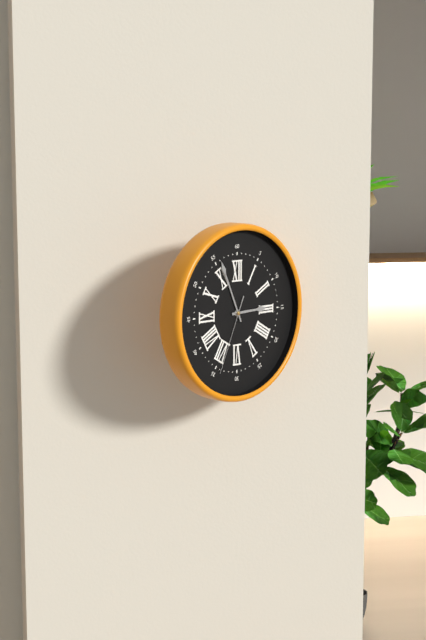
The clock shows 2:56:34
